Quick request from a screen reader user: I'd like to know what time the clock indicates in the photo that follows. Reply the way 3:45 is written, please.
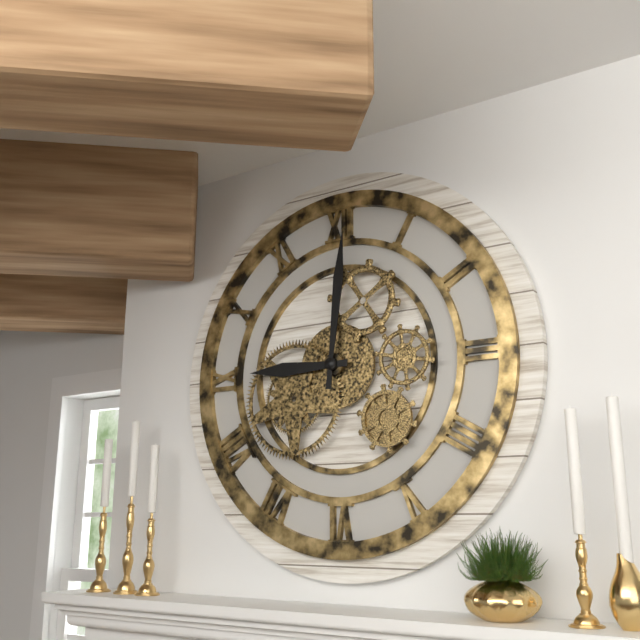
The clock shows 9:01
